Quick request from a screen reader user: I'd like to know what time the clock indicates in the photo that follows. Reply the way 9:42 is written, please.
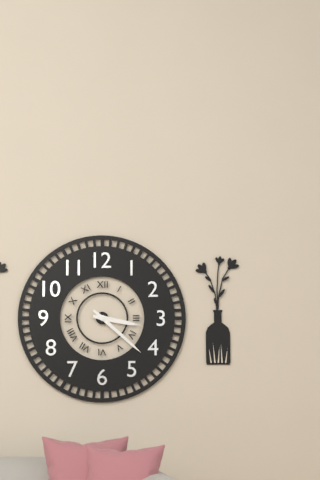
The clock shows 3:22
